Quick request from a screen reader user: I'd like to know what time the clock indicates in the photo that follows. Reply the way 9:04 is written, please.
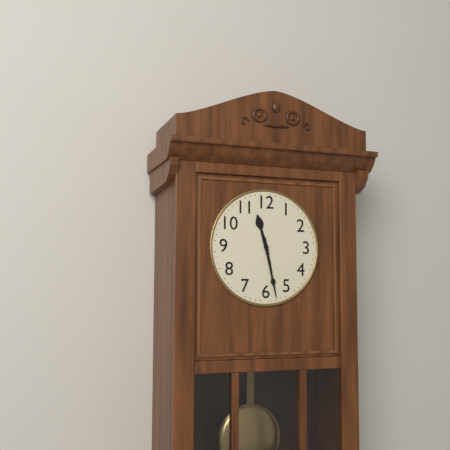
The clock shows 11:28
